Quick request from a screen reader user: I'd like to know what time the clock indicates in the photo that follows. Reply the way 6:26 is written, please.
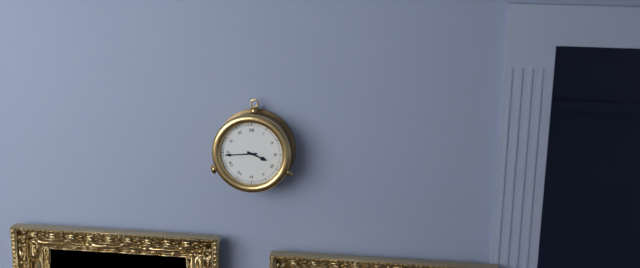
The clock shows 3:44
